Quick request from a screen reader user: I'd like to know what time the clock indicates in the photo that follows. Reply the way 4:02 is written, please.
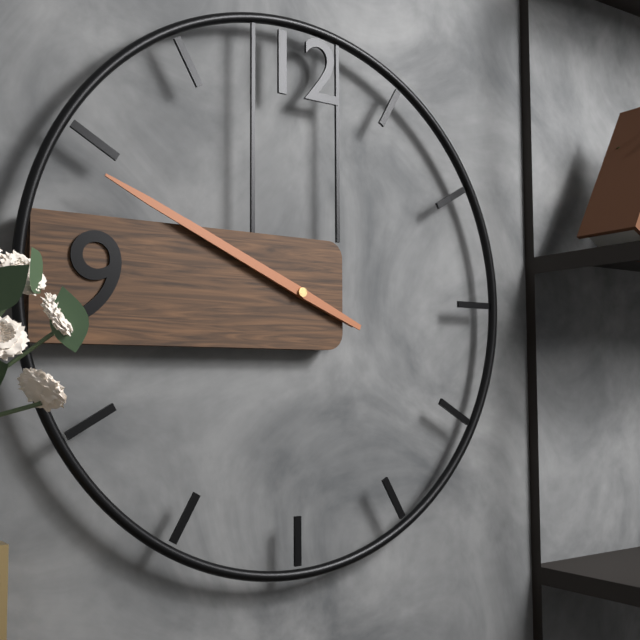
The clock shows 9:49
